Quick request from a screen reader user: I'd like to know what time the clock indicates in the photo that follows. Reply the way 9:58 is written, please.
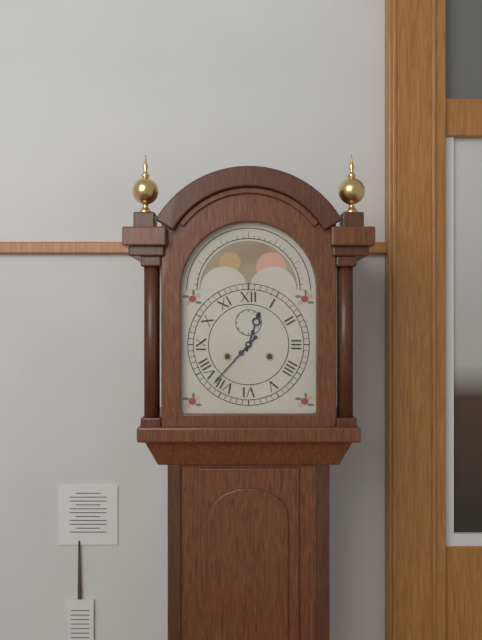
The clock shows 12:37
